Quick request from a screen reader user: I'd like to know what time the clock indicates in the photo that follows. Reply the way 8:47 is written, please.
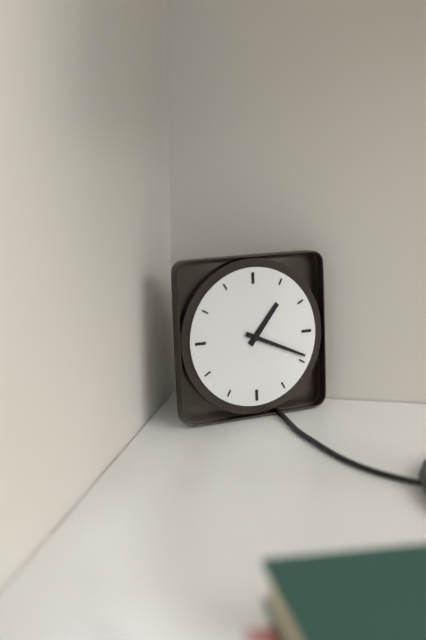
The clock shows 1:19
